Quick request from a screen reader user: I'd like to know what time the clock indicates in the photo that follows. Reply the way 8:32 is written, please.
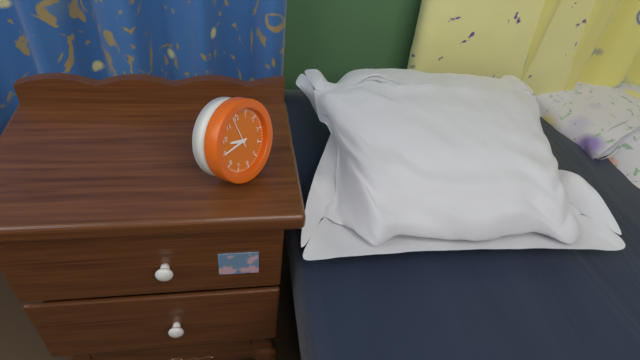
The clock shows 9:45
